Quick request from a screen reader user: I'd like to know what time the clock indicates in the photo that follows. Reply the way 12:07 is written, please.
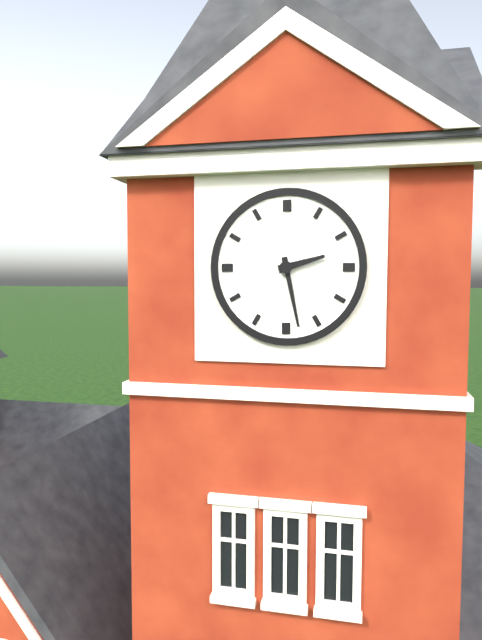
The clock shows 2:28
